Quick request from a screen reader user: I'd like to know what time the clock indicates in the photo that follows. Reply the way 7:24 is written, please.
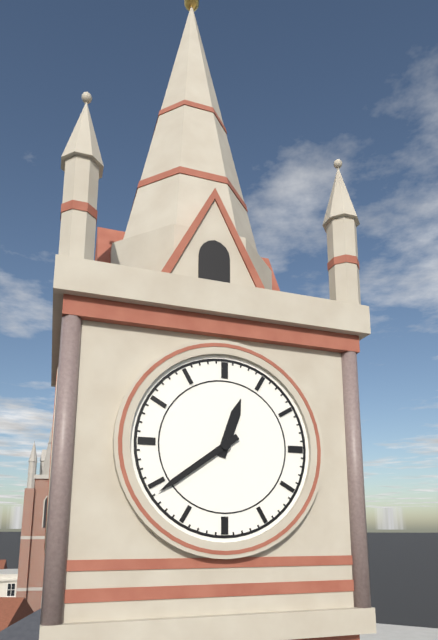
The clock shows 12:39
